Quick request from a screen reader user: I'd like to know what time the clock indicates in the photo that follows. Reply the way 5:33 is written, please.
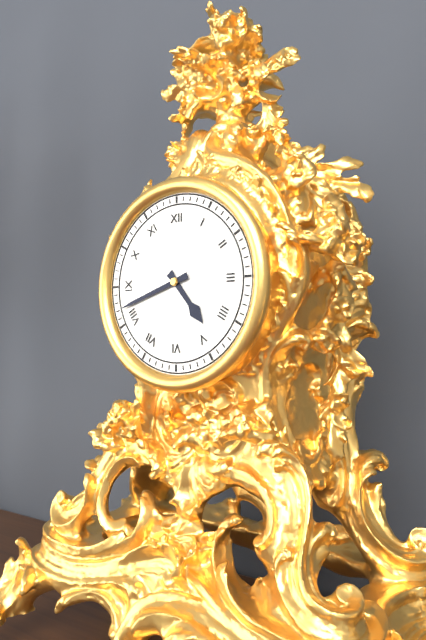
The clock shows 4:42
